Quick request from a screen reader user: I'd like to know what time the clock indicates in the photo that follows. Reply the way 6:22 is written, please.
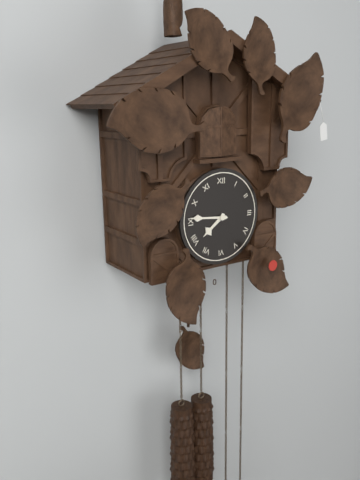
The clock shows 7:46
